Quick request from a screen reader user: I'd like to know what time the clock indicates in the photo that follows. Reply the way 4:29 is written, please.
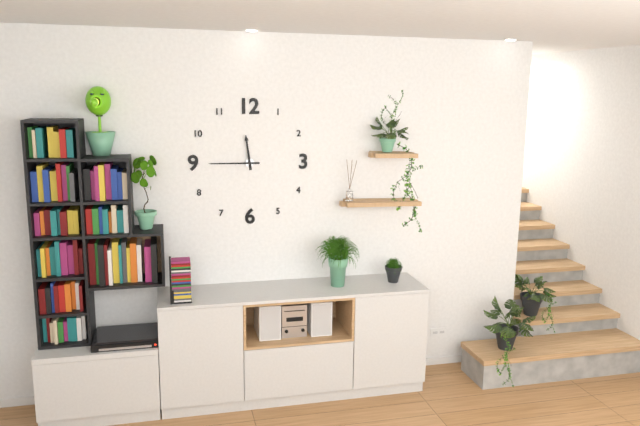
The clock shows 11:45
